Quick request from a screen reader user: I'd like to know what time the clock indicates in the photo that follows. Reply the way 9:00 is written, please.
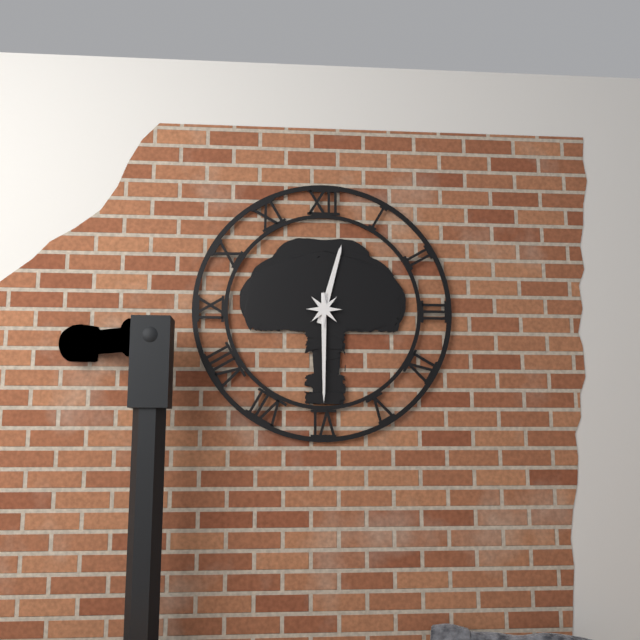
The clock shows 12:30
